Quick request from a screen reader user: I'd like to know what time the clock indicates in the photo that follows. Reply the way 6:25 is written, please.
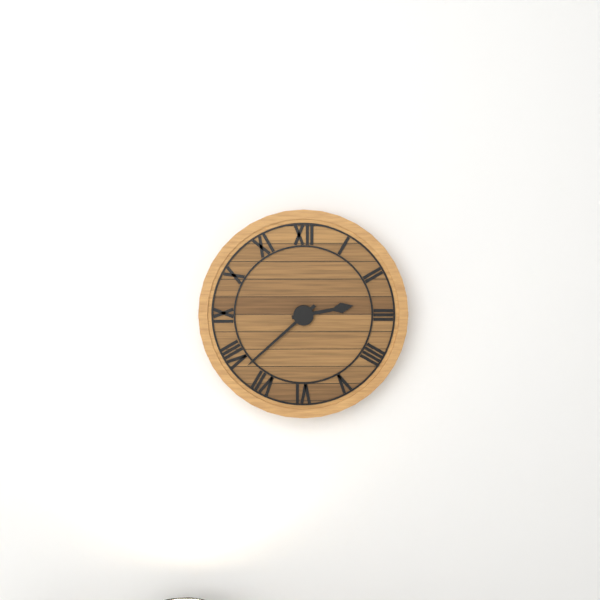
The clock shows 2:38
